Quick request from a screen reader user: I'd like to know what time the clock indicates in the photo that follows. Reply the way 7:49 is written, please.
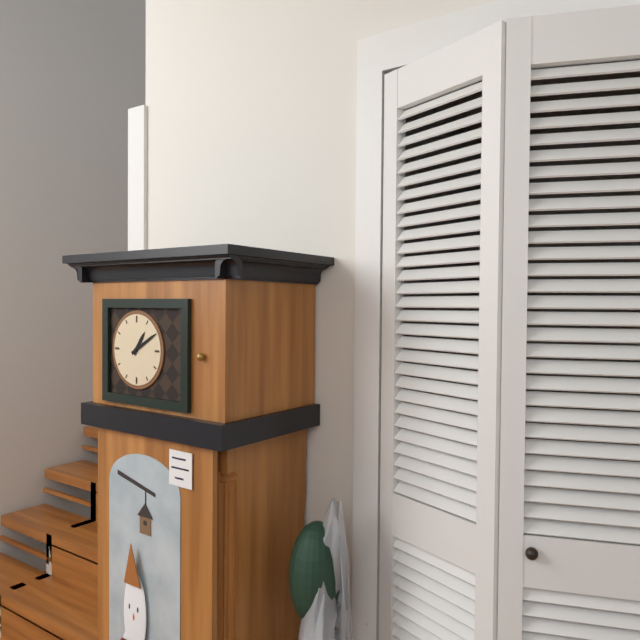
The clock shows 1:10
